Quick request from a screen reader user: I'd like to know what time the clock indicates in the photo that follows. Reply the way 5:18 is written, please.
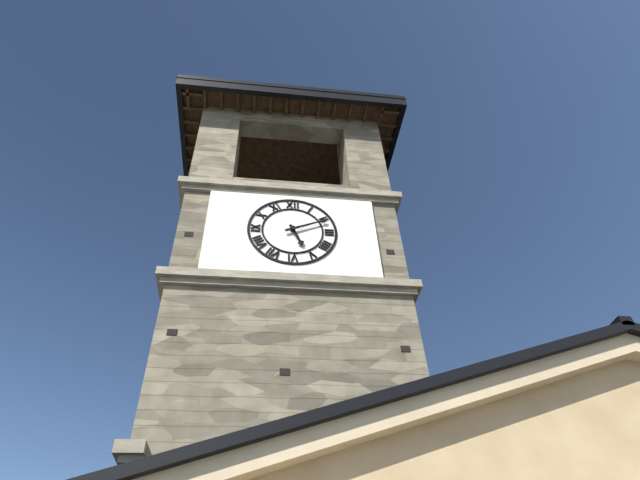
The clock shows 5:11
